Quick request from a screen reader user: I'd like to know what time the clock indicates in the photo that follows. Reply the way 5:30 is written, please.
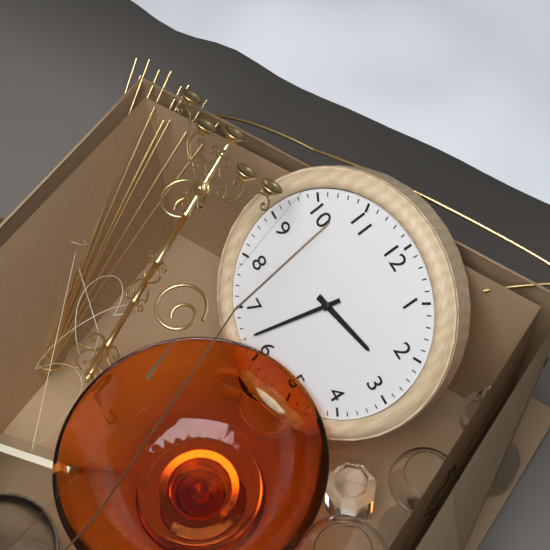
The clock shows 2:32
